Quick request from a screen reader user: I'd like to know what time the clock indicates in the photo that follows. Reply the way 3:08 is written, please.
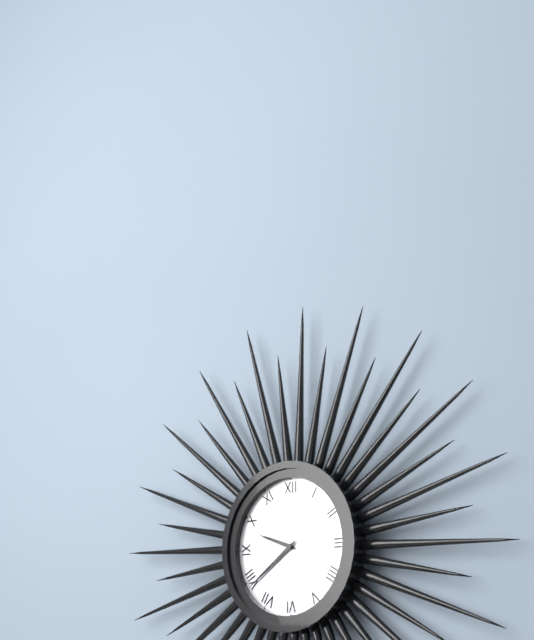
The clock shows 9:39
